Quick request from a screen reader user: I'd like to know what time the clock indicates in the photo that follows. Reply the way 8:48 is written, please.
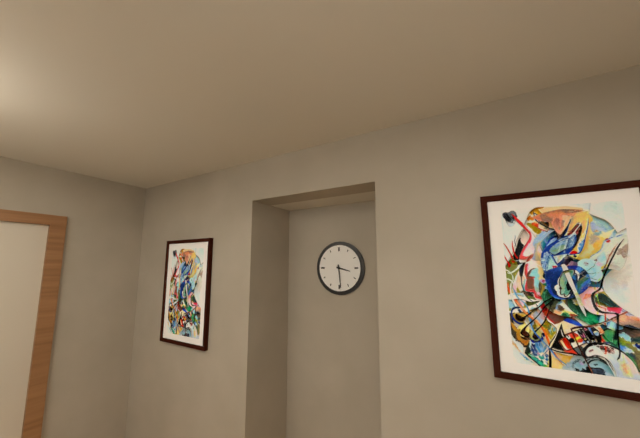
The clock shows 3:29
